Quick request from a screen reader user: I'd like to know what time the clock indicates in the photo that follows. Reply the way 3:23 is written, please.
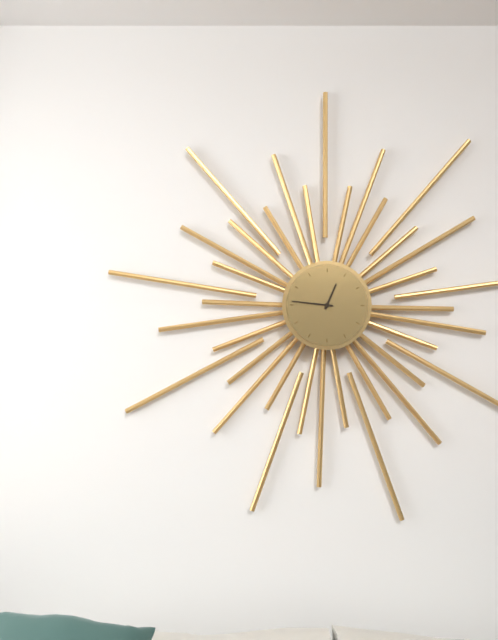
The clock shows 12:46
